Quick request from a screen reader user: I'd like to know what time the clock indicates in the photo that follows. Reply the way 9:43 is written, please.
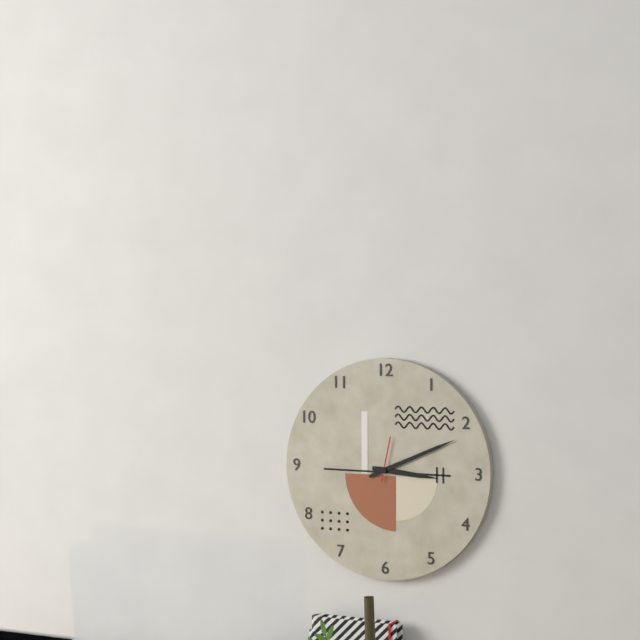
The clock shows 3:11
